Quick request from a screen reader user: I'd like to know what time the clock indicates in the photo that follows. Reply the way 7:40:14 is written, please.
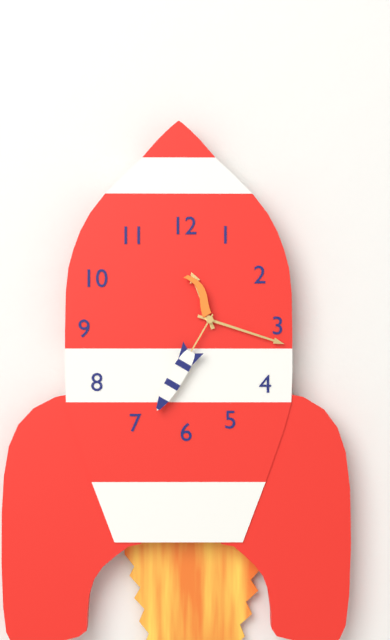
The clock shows 11:18:35
